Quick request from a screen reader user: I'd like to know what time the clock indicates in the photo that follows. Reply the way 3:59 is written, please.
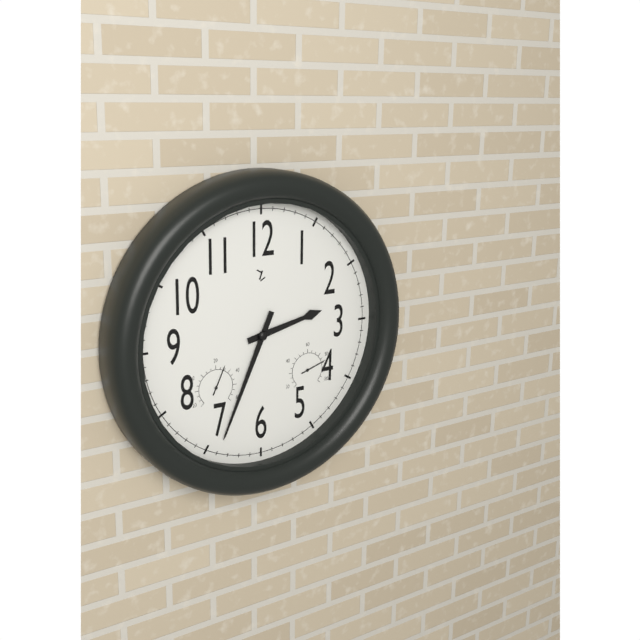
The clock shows 2:34
